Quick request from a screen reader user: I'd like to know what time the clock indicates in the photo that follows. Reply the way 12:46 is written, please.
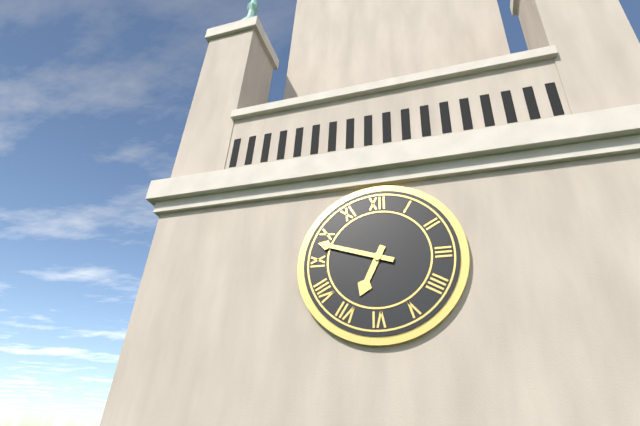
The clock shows 6:48
